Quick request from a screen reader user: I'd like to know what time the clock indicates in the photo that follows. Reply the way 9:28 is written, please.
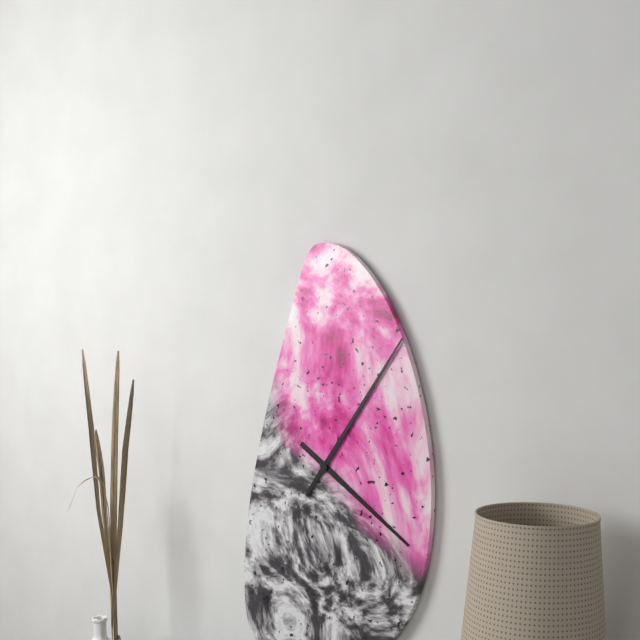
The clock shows 4:06
